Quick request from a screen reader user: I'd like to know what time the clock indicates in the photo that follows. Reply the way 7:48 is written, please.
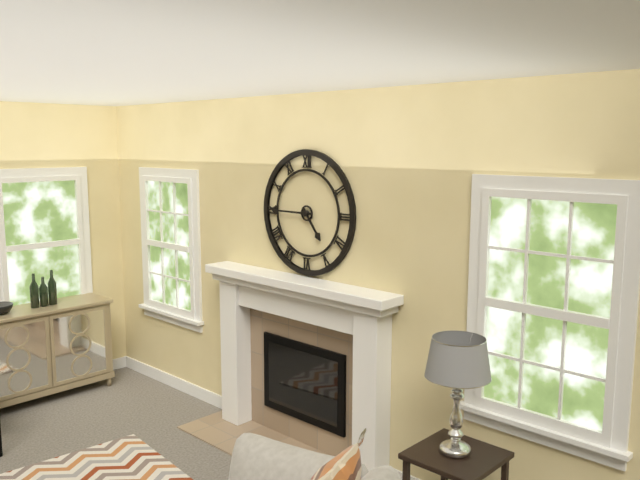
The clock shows 4:45
